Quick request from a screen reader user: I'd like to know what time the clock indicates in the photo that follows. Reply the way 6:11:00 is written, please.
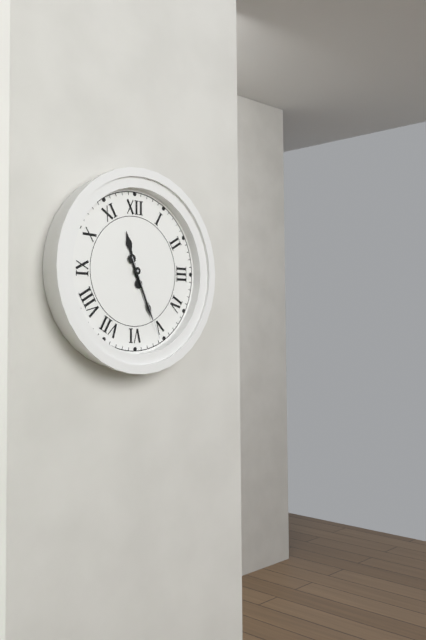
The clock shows 11:26:26
